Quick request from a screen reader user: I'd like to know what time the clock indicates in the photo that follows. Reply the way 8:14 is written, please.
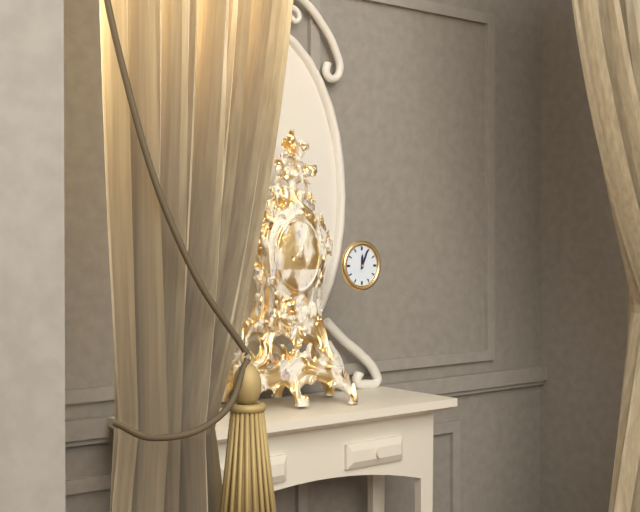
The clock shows 12:04
